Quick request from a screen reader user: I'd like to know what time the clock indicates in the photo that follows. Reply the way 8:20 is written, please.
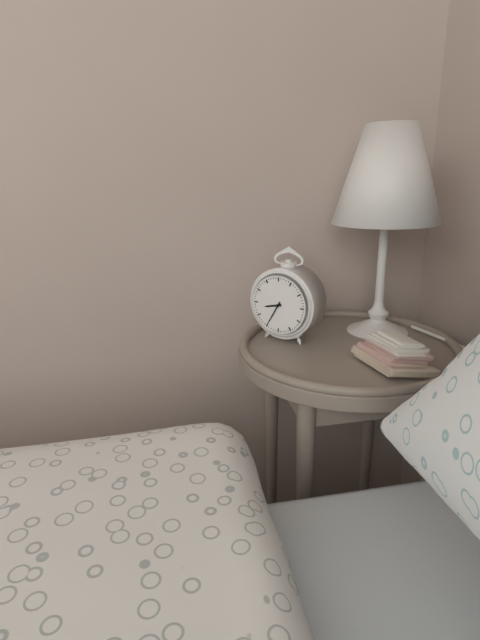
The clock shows 8:35
